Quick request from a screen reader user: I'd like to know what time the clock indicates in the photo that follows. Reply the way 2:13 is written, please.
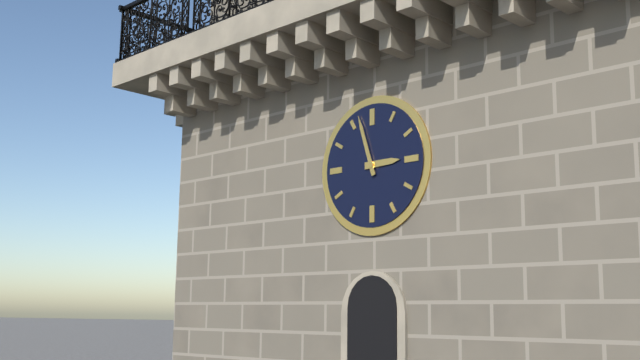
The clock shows 2:57
